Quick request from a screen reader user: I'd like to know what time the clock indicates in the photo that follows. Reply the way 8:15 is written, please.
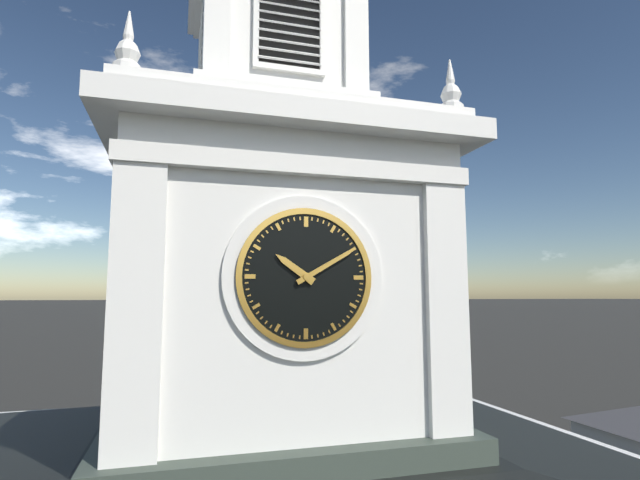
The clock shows 10:10
